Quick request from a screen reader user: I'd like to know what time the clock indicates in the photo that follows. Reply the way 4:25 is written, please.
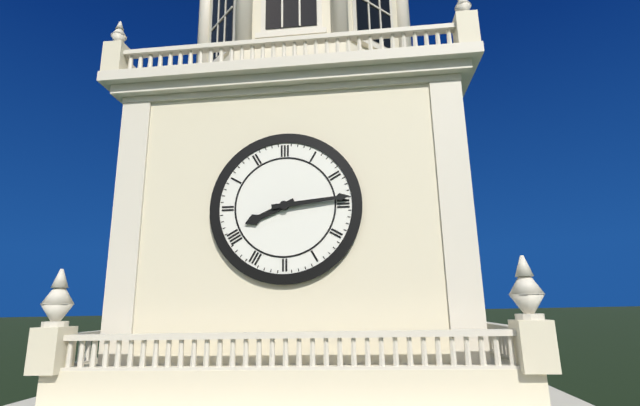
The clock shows 8:14
